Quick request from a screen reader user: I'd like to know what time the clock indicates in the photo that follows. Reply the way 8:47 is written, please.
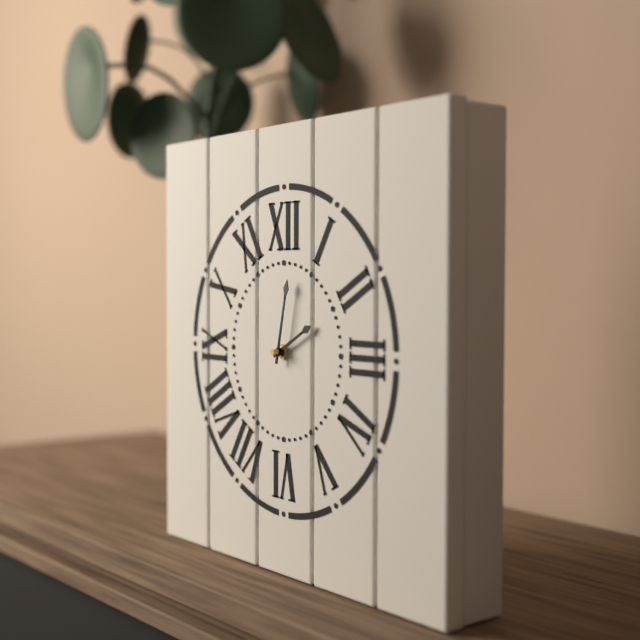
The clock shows 2:02
